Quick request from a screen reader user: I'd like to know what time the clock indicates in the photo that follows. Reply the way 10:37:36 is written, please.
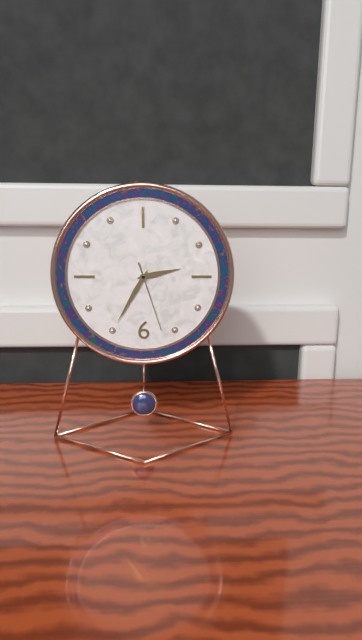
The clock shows 2:35:27
